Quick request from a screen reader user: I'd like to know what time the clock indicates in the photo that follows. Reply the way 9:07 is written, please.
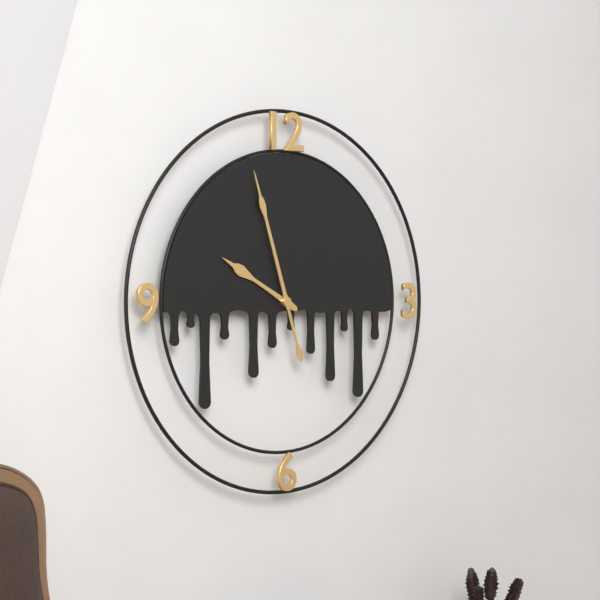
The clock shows 9:57
